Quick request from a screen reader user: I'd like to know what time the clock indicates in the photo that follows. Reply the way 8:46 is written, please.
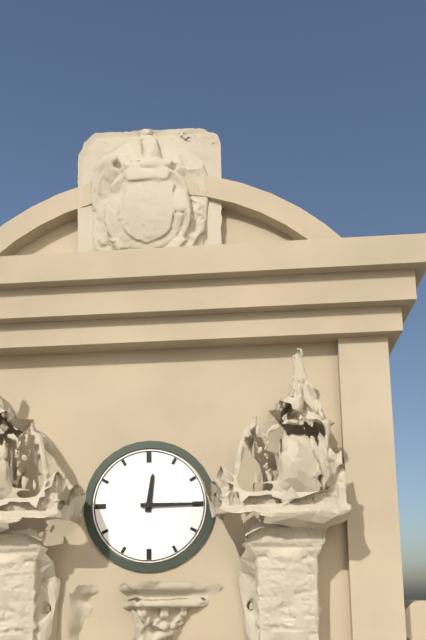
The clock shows 12:15
